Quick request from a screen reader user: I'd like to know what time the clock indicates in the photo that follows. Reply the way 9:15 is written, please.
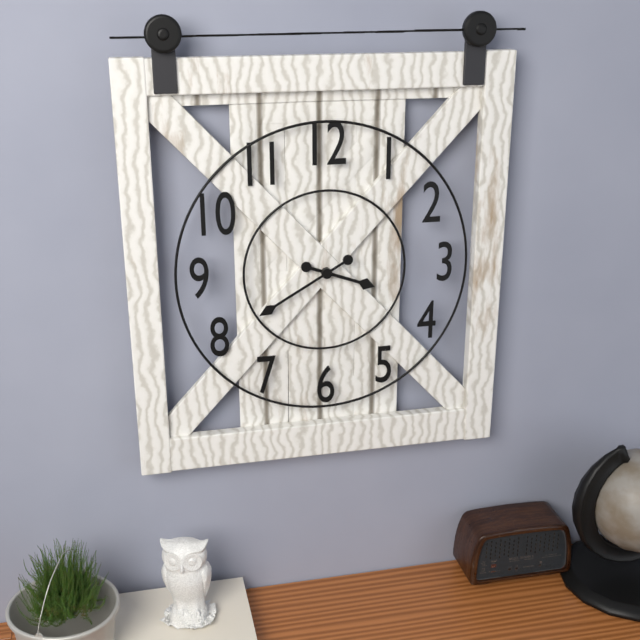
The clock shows 3:40
